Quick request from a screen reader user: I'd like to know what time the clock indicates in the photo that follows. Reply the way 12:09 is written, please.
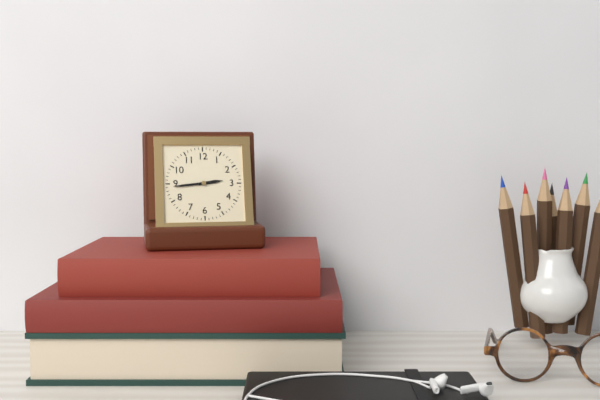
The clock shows 2:44
